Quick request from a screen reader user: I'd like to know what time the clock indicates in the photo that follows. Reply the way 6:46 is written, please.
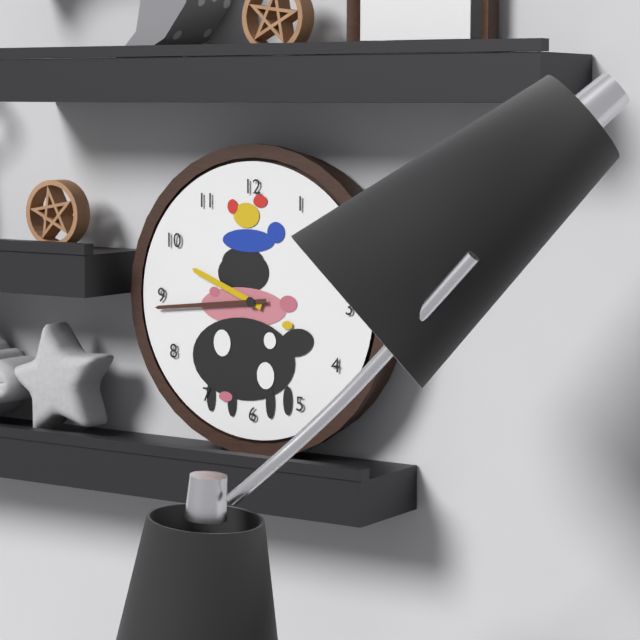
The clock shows 9:44
